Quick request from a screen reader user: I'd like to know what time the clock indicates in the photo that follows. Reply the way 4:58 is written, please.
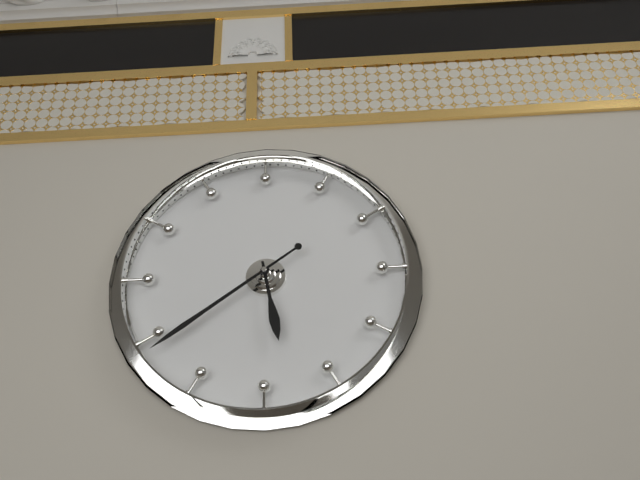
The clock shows 5:39
